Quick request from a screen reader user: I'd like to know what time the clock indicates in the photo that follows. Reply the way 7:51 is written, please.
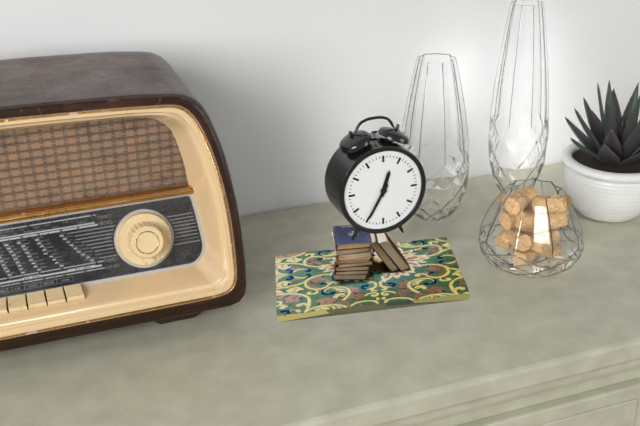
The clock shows 12:35
